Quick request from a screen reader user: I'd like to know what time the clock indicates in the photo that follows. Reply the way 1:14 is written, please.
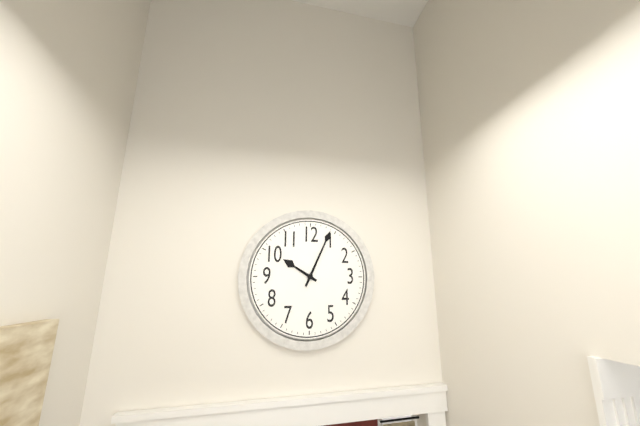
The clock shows 10:04
